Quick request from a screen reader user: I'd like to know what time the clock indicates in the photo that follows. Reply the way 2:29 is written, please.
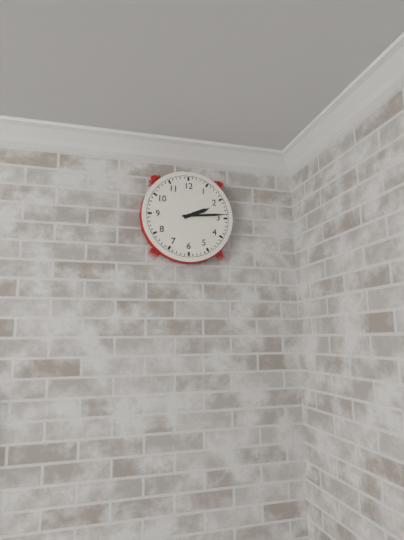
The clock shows 2:14
